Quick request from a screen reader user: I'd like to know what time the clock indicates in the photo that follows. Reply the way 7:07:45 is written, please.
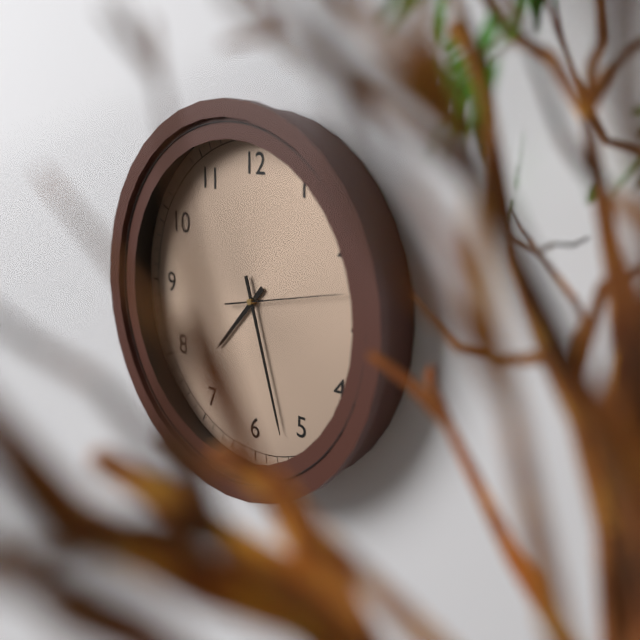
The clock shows 7:27:13
